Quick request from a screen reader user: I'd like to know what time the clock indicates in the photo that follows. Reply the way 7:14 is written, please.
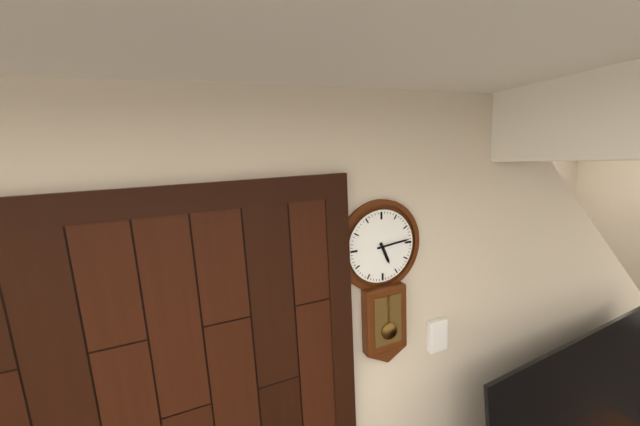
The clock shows 5:14
